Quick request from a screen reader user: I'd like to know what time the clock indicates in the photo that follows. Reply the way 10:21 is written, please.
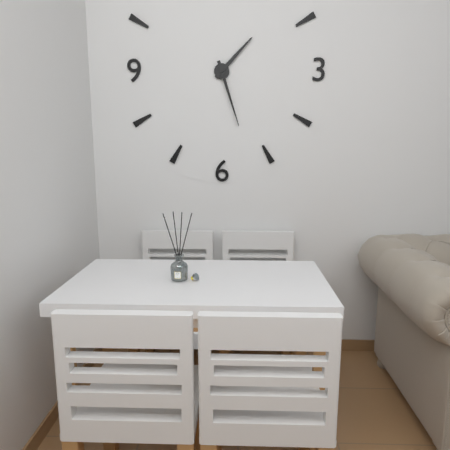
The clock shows 1:27
